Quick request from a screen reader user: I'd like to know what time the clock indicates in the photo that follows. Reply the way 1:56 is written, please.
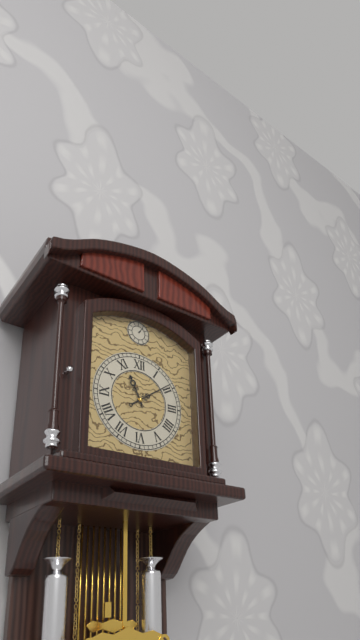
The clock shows 11:09
